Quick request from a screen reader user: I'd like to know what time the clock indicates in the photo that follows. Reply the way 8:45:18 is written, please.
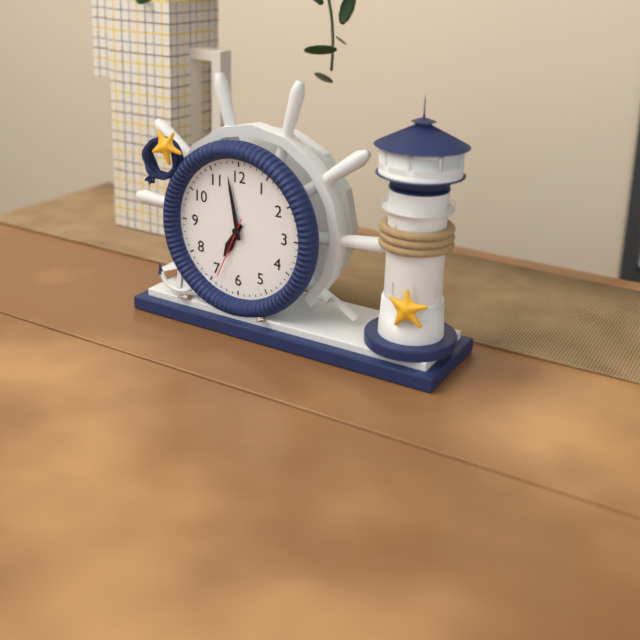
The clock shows 6:58:34
